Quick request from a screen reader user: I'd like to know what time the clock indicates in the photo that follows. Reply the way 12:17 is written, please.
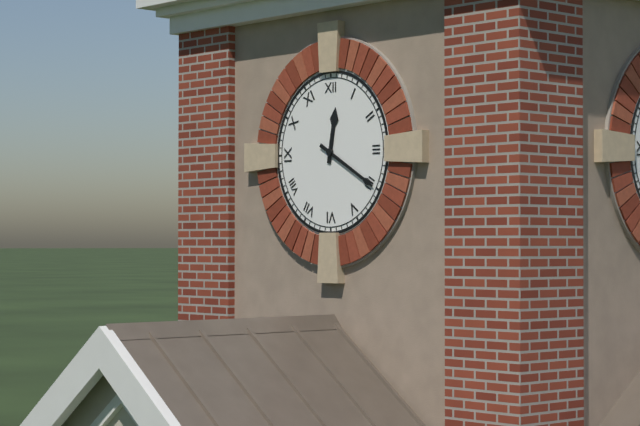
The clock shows 12:20
